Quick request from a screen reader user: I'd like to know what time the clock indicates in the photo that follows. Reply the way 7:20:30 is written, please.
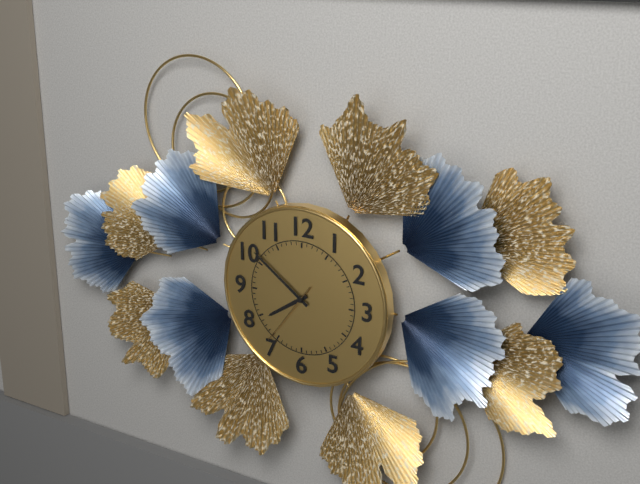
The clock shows 7:51:36
